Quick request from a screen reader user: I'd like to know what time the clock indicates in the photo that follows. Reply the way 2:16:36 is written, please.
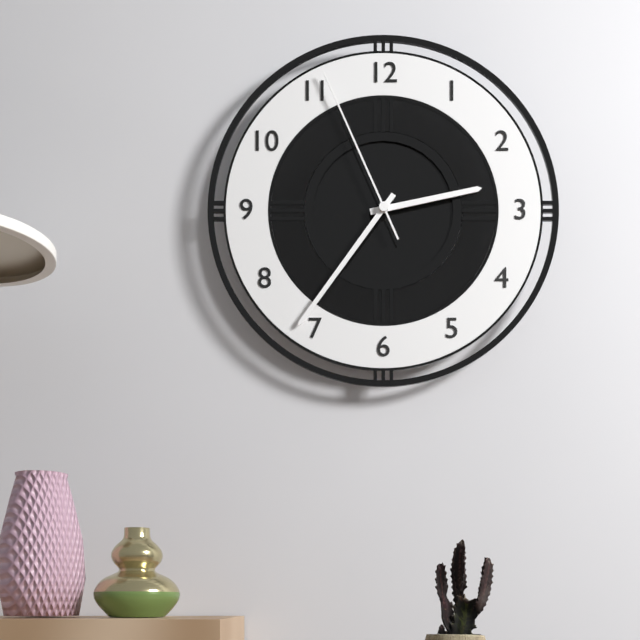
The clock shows 2:36:56
